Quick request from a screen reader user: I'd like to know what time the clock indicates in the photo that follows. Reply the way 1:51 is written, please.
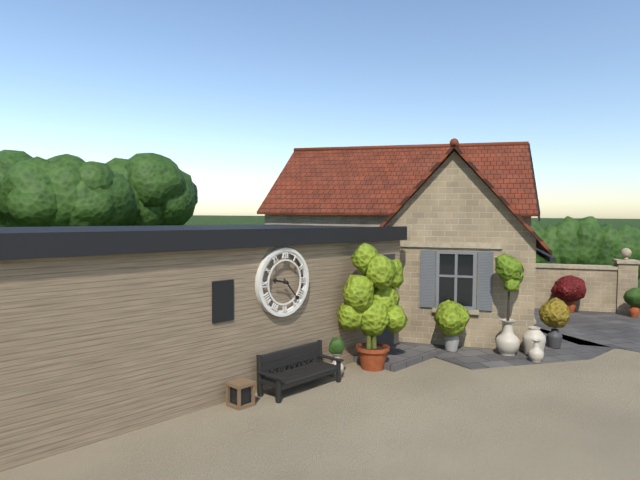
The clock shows 9:23
